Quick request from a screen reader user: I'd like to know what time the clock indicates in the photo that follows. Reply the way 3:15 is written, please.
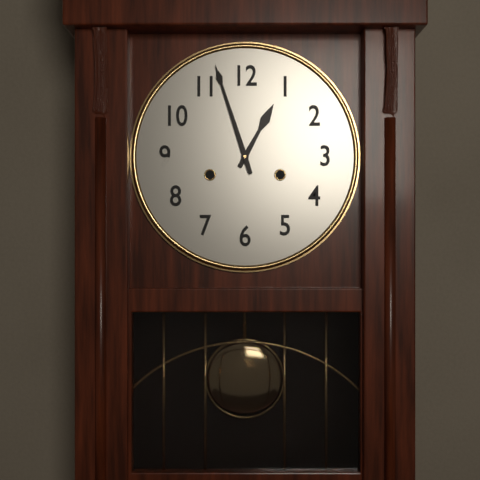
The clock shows 12:57
